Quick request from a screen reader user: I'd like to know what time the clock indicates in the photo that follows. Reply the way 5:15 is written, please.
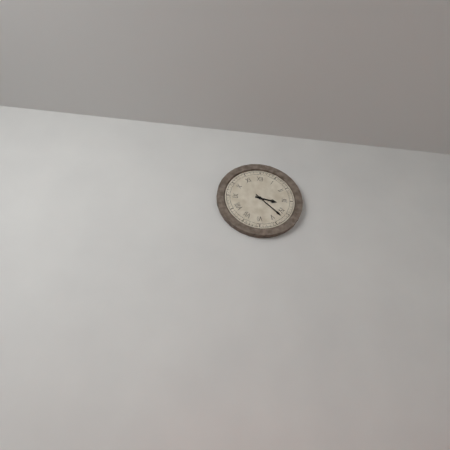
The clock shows 3:22
